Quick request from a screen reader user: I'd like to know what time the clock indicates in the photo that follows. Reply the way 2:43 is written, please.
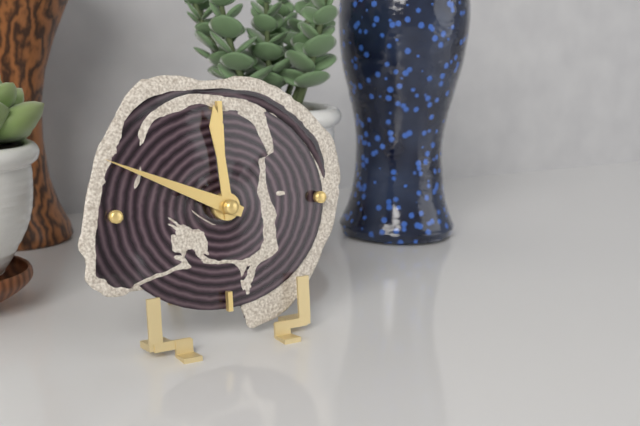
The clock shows 11:49
